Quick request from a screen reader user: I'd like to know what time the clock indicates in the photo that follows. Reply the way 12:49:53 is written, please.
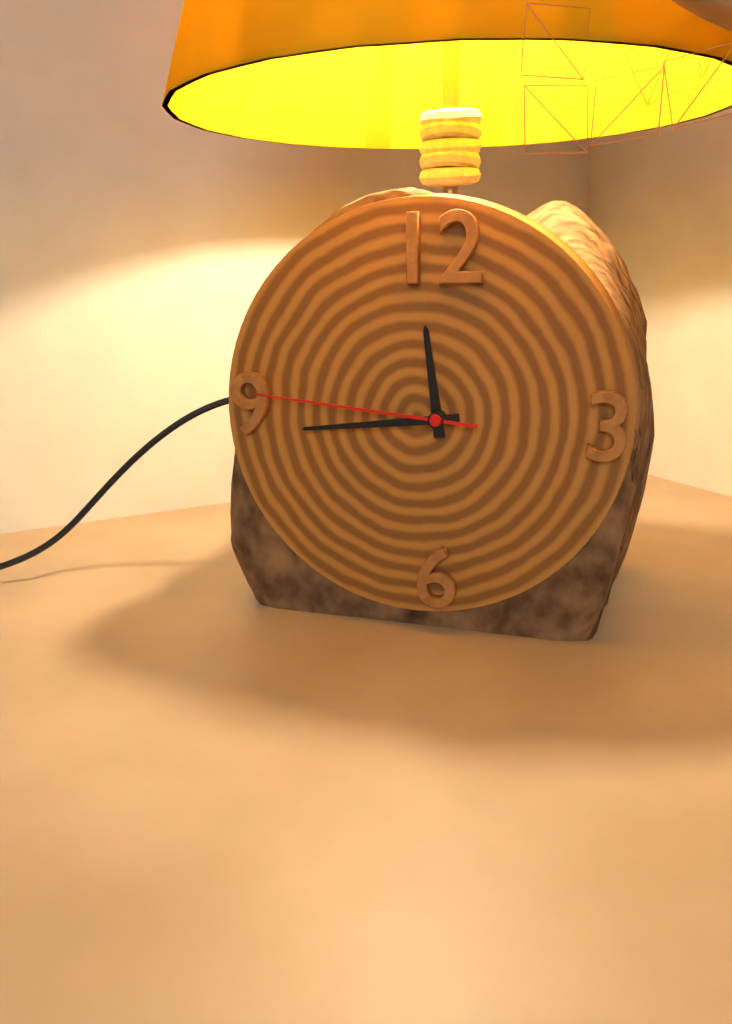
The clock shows 11:44:46
